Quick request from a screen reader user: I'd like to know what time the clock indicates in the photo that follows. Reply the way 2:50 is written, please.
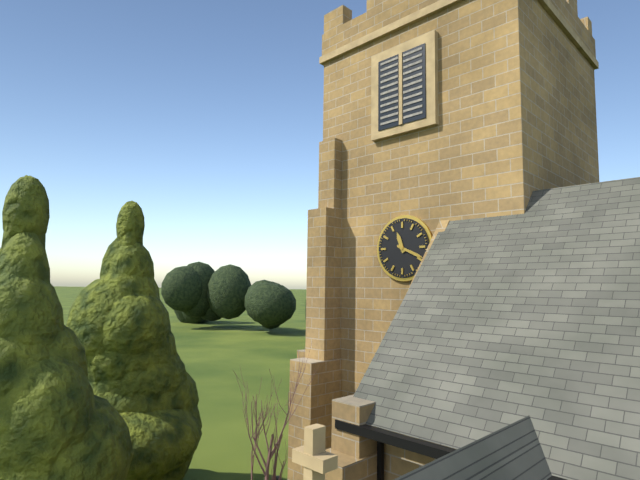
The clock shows 11:19
